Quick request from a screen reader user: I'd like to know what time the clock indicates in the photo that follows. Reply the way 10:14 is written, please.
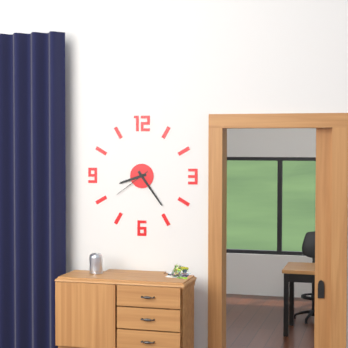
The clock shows 8:24
